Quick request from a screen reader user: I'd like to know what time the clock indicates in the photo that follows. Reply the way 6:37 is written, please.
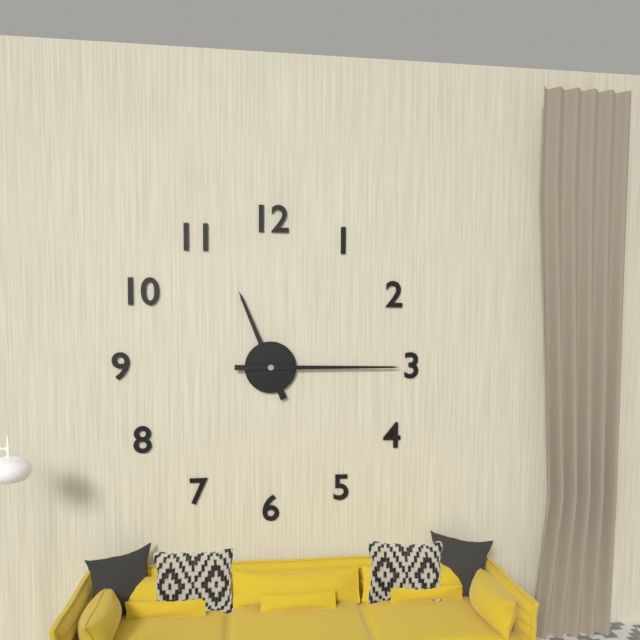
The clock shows 11:15
